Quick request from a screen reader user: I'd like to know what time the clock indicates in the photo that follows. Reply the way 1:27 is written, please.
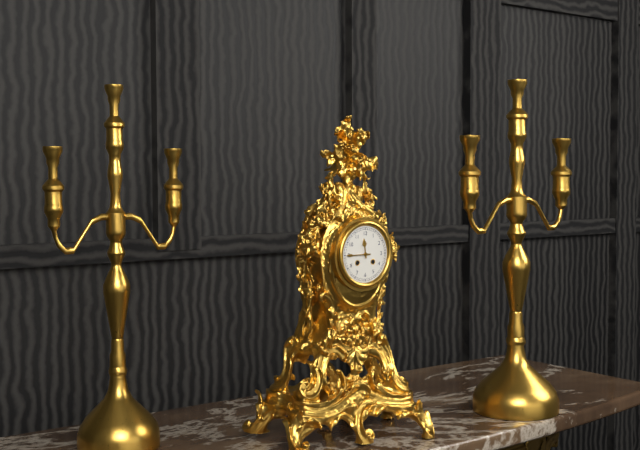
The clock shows 11:45
